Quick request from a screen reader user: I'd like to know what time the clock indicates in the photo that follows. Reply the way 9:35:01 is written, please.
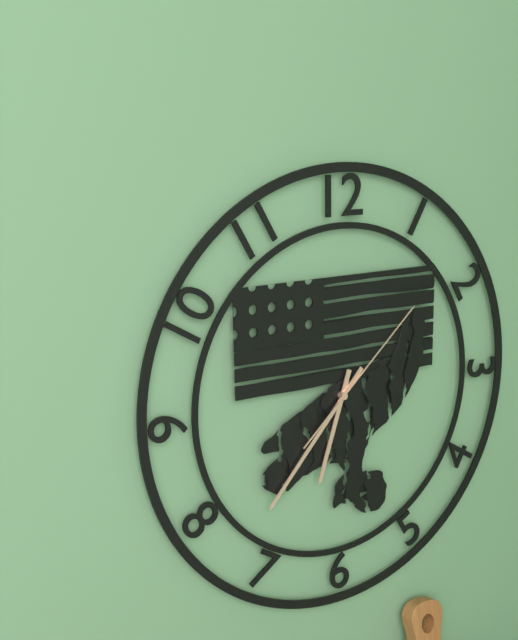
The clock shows 6:37:08
